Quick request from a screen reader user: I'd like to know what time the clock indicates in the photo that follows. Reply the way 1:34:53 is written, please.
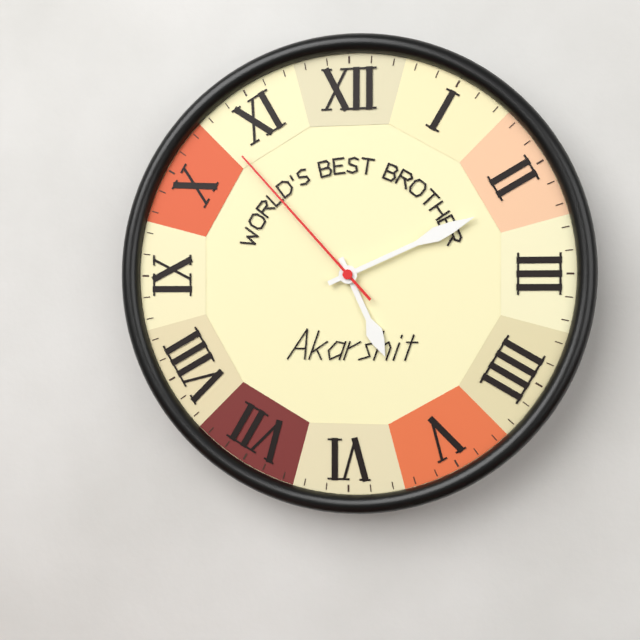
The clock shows 5:11:53
